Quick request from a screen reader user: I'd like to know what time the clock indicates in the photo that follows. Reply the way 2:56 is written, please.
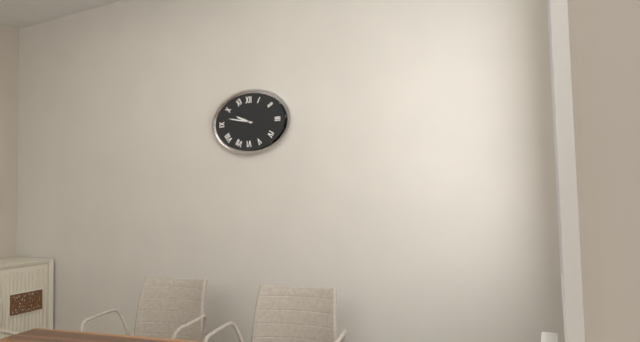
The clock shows 9:47
